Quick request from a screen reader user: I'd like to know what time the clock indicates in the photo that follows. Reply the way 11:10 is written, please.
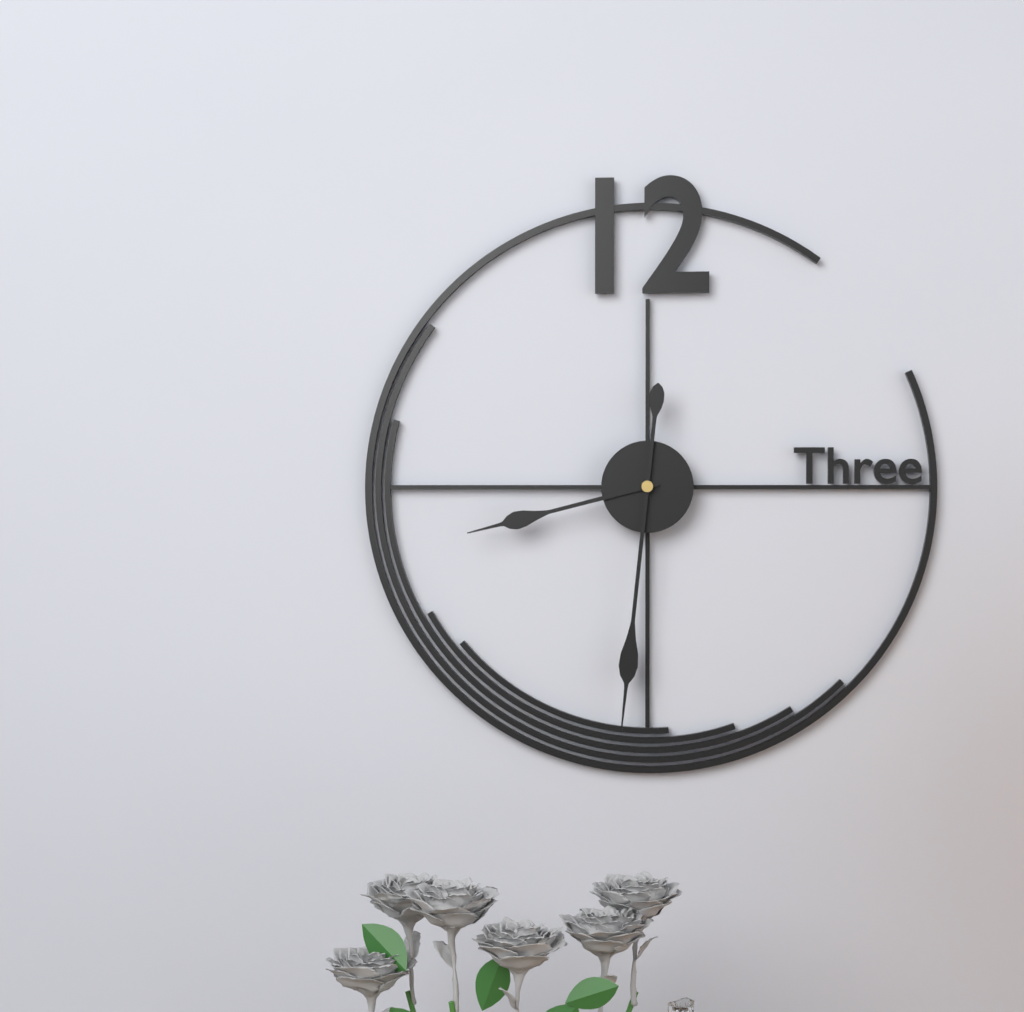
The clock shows 8:31
